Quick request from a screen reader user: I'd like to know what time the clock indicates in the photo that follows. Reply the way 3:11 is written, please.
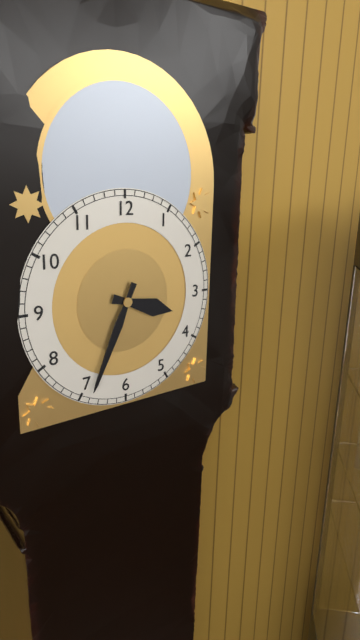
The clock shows 3:34
